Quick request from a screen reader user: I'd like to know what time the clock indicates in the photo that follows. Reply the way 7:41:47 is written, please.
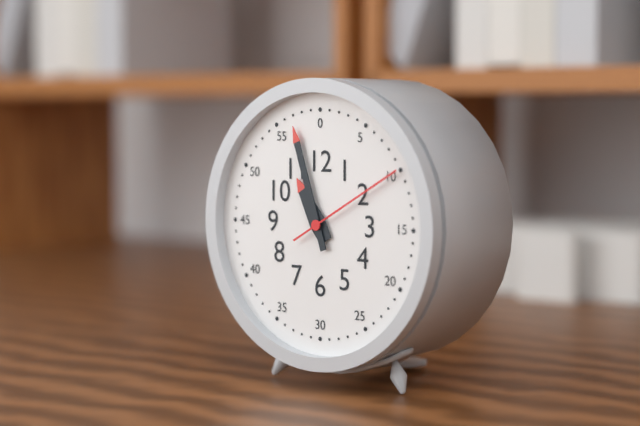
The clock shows 10:57:10
